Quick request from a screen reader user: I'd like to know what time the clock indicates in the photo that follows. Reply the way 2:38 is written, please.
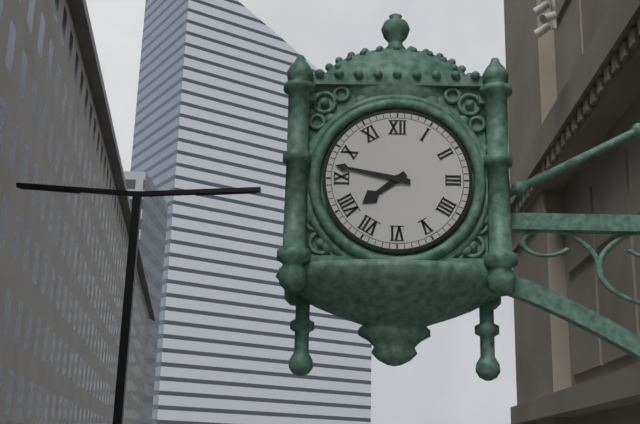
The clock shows 7:47
